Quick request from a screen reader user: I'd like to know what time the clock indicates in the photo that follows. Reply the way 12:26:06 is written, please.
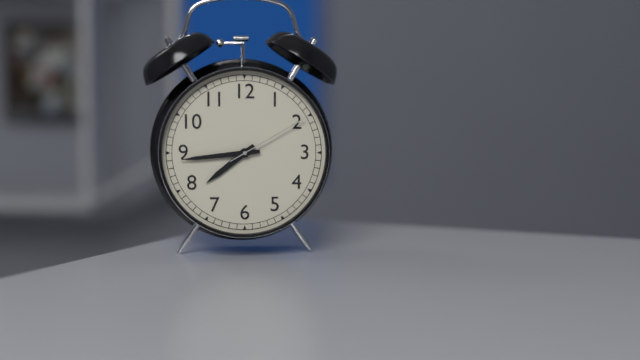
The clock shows 7:44:10
